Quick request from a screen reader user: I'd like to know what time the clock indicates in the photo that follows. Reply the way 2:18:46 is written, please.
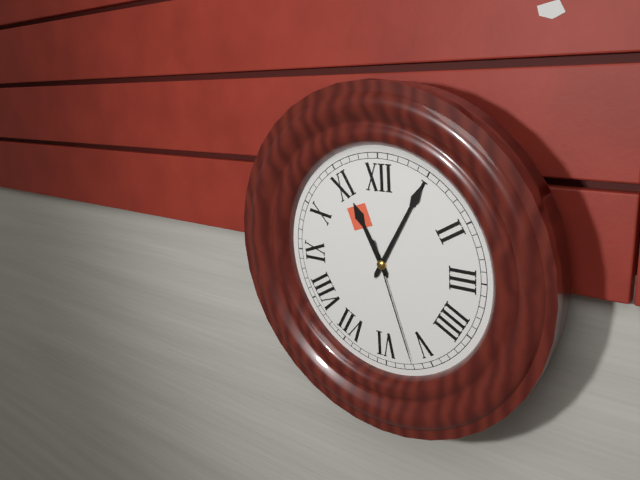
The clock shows 11:05:27
